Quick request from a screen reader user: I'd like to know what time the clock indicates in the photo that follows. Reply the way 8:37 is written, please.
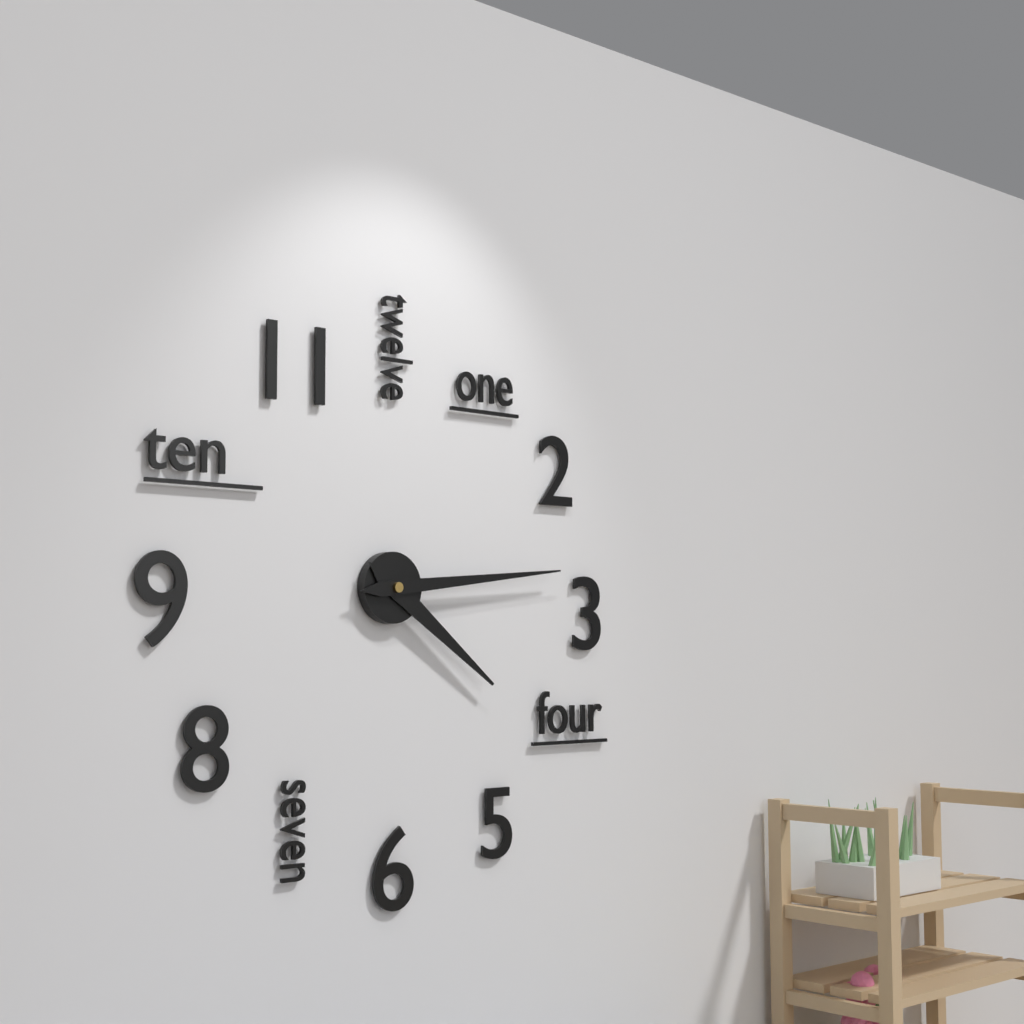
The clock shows 4:14
